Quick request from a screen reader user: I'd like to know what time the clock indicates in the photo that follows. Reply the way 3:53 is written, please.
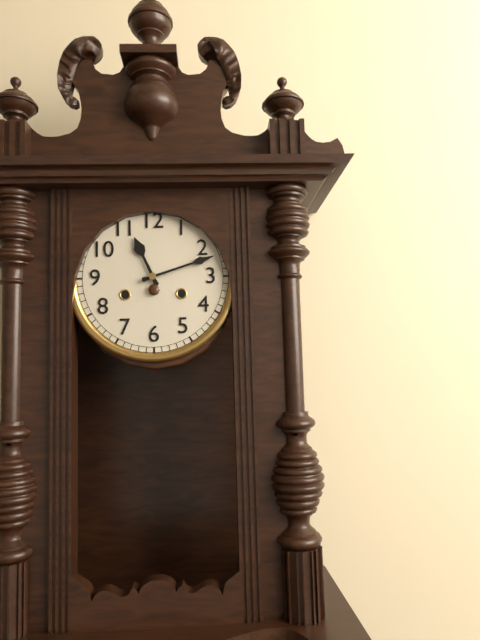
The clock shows 11:12
